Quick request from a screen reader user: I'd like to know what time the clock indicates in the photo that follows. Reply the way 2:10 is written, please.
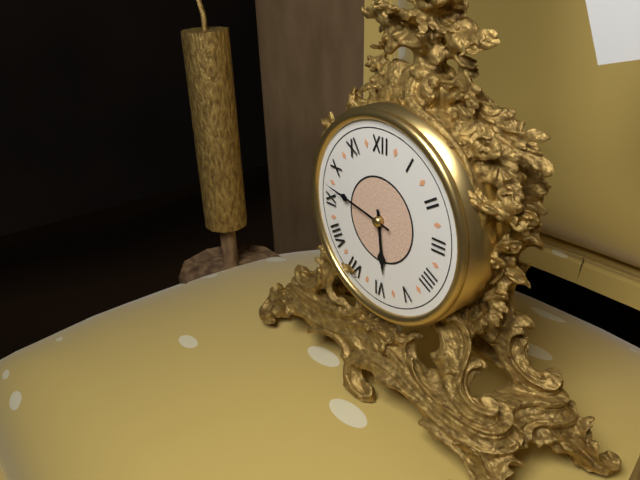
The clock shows 5:47
